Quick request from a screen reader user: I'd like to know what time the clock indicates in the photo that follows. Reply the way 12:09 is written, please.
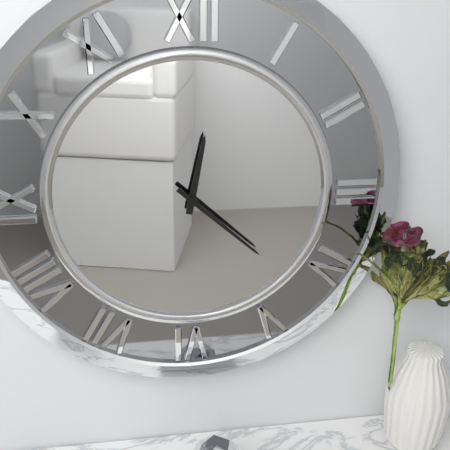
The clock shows 12:22
